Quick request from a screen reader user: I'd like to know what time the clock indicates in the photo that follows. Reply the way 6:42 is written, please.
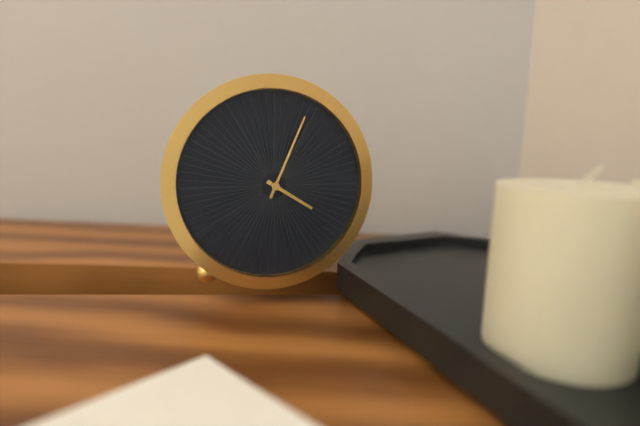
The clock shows 4:04
